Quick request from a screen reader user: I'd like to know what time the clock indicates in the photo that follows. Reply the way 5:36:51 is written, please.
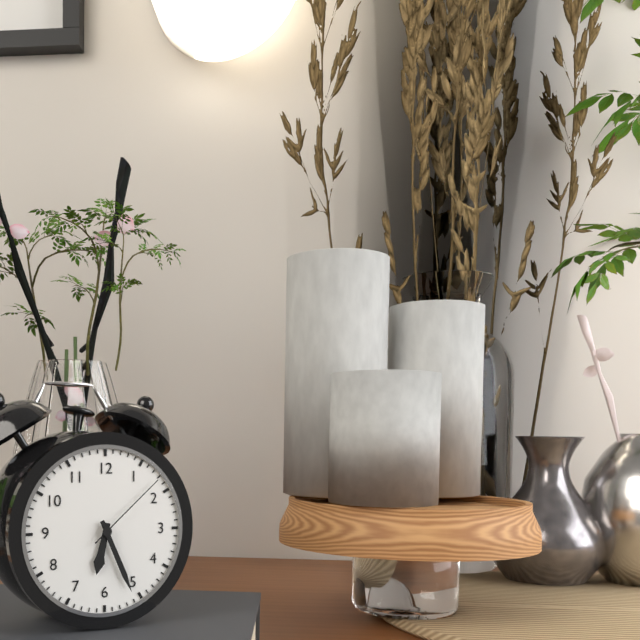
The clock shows 6:26:08
